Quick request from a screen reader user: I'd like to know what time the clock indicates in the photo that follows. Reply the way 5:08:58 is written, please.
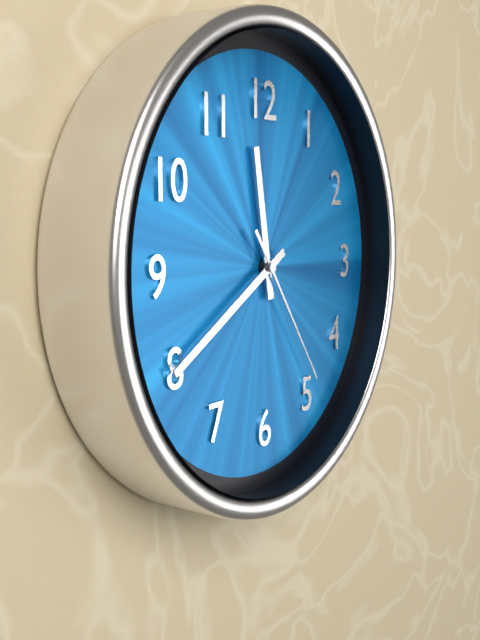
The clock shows 11:40:24
